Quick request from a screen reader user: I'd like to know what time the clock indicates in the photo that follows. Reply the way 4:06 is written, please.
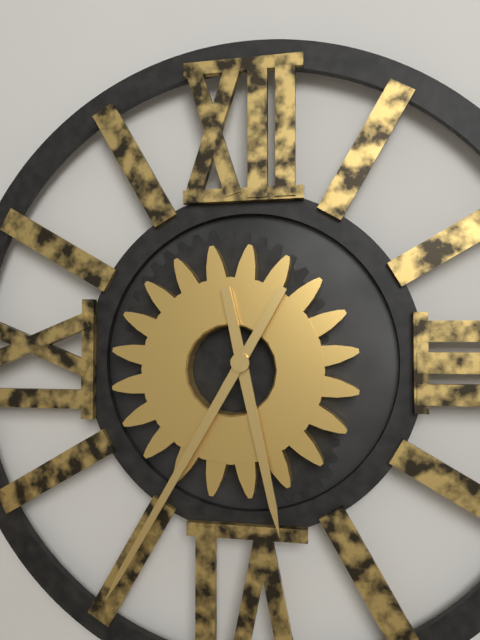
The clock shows 5:35
